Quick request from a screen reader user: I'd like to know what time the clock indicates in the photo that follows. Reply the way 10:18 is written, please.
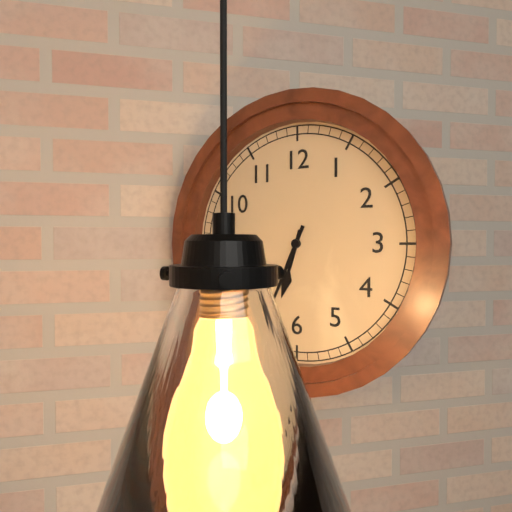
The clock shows 6:34
